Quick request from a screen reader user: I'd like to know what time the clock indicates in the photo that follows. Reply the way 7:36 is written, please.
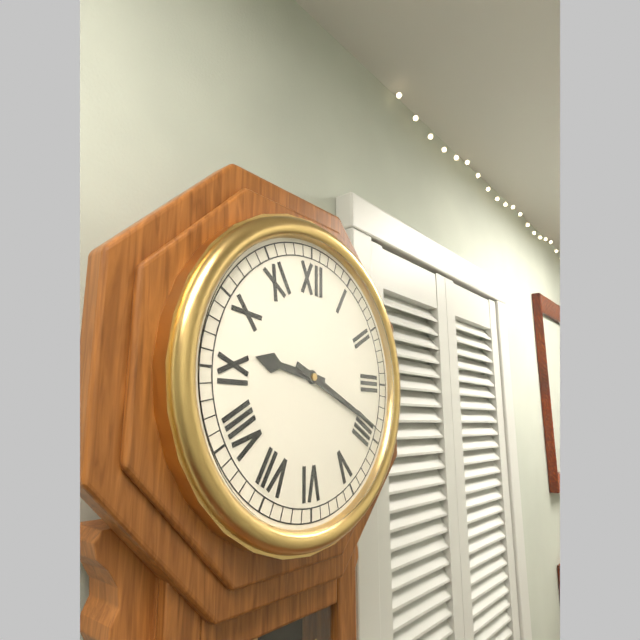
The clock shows 9:19
